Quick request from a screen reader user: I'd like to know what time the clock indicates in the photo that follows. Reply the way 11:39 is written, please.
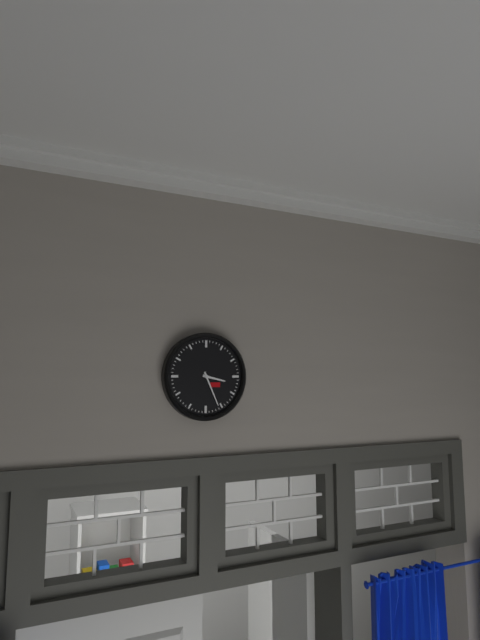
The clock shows 3:26
